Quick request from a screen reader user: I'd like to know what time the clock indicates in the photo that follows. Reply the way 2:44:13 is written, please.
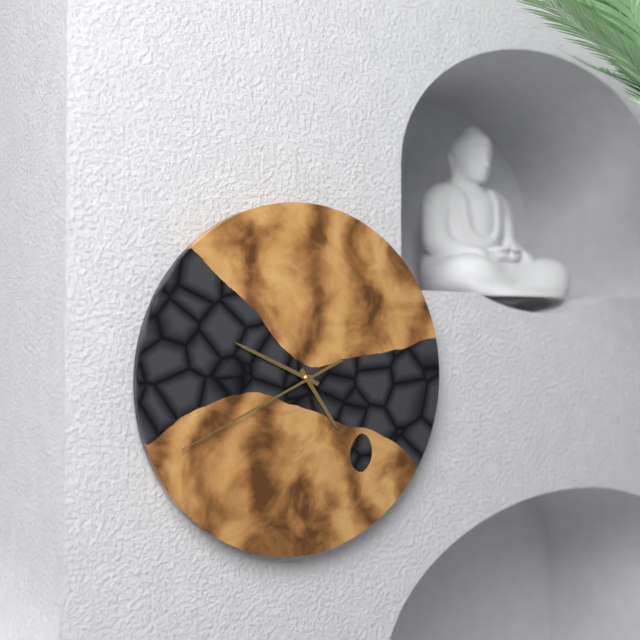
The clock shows 4:49:41
